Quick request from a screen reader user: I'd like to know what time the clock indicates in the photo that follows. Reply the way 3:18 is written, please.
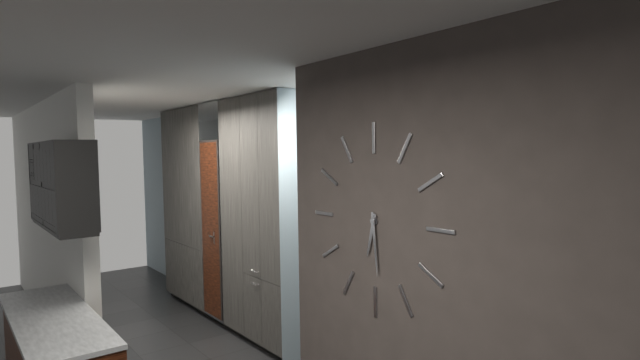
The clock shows 6:29
